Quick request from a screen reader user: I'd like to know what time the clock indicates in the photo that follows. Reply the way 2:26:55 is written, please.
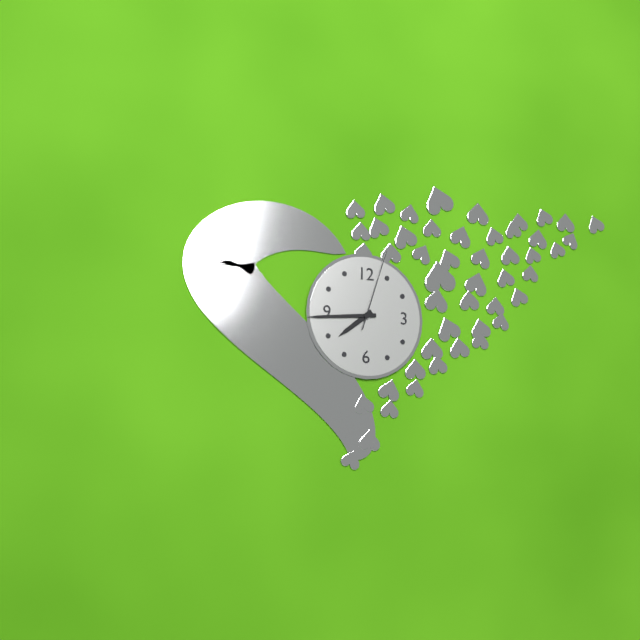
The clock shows 7:44:03
